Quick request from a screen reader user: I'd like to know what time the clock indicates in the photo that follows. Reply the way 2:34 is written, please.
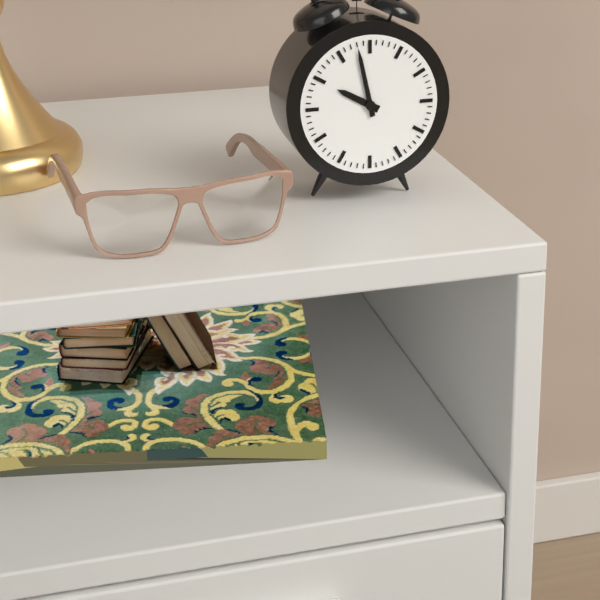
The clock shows 9:58
